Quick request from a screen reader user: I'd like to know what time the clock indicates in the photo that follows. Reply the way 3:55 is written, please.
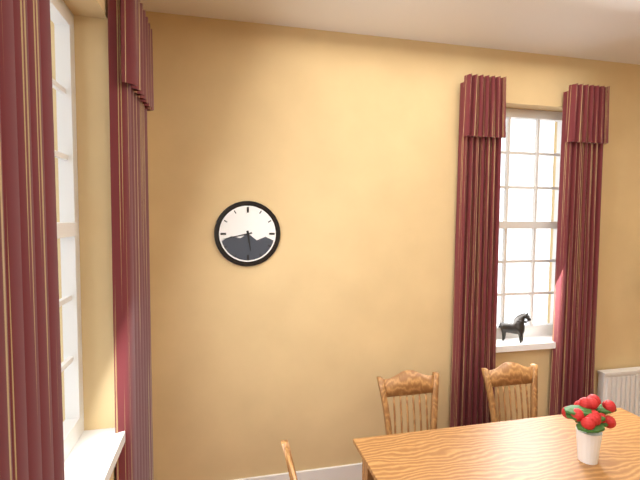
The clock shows 5:43
